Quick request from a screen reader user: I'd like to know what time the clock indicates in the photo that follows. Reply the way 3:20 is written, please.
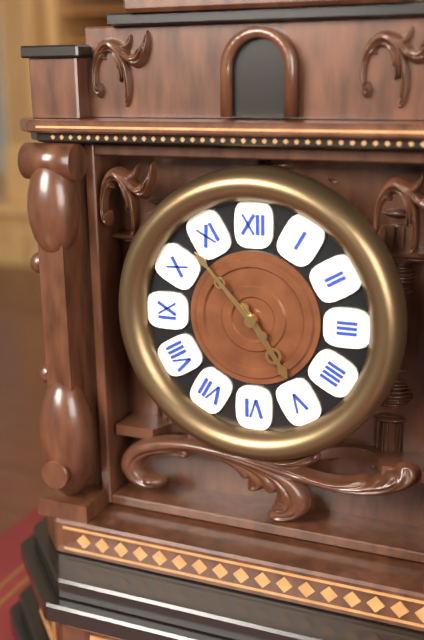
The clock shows 4:53
